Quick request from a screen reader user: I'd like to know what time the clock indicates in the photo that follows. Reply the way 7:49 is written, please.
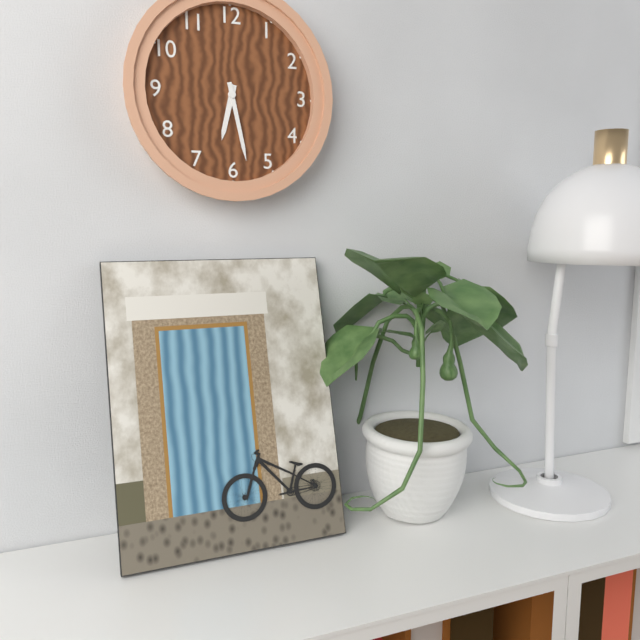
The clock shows 6:28
